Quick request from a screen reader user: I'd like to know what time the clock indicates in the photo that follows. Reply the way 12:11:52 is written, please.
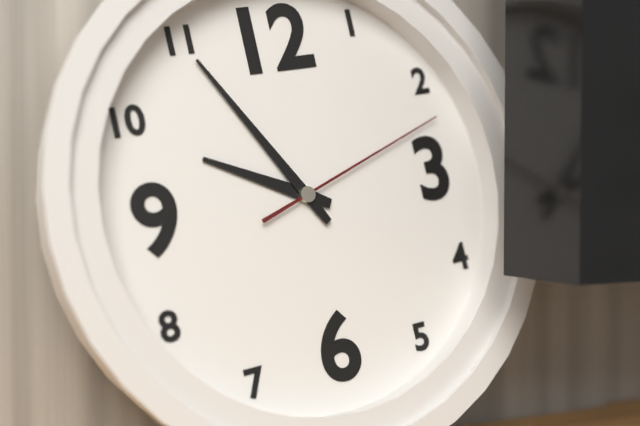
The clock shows 9:55:12
